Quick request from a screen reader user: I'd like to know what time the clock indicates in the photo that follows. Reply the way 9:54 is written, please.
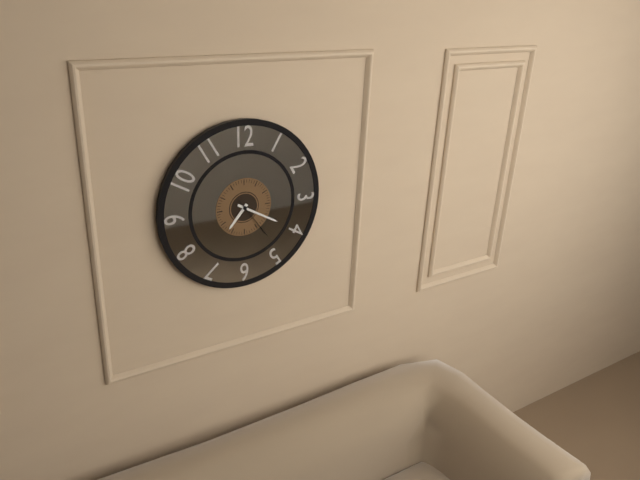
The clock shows 7:20
